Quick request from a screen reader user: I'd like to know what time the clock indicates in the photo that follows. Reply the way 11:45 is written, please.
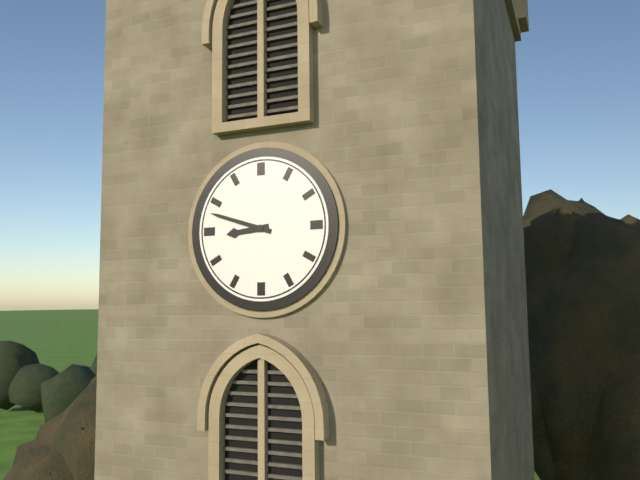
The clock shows 8:48
